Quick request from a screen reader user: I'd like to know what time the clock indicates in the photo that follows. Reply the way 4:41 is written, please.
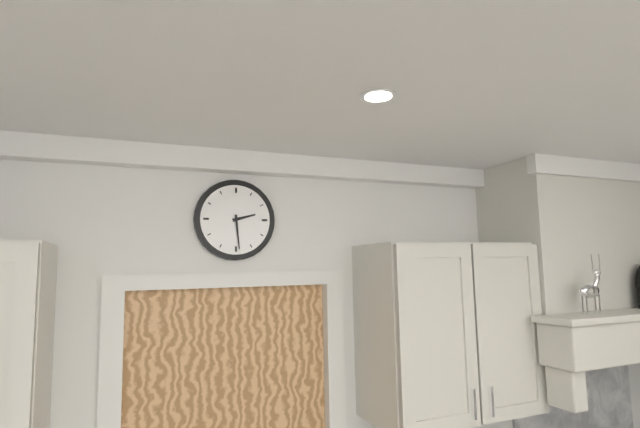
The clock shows 2:29
